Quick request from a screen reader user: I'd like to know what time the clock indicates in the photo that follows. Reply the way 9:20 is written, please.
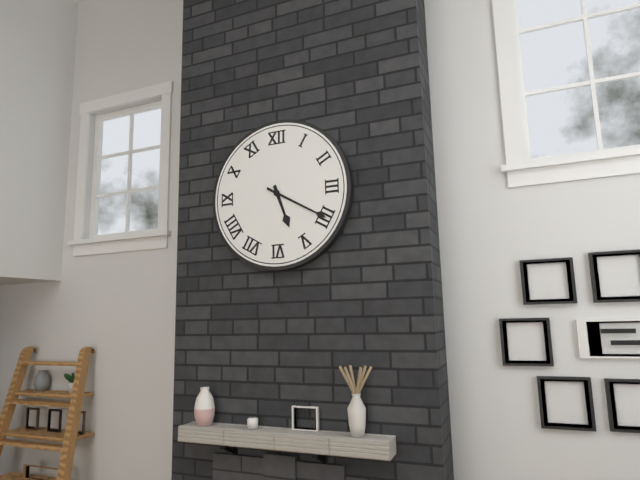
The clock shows 5:20
